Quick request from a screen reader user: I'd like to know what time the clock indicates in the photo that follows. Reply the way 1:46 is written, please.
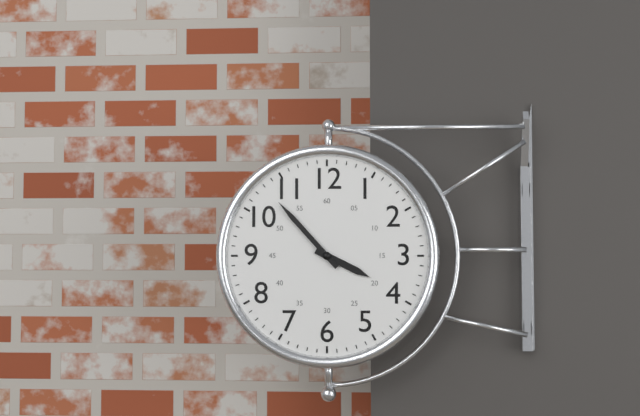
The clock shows 3:53
